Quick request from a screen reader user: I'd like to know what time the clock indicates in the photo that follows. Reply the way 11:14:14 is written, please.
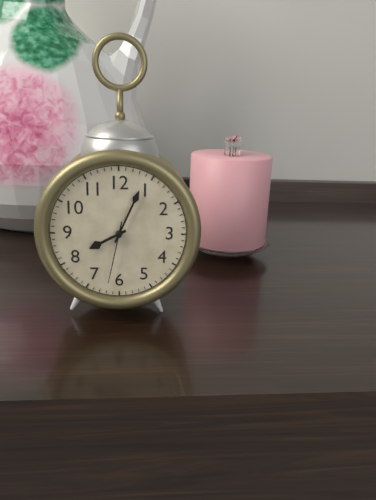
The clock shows 8:04:32
